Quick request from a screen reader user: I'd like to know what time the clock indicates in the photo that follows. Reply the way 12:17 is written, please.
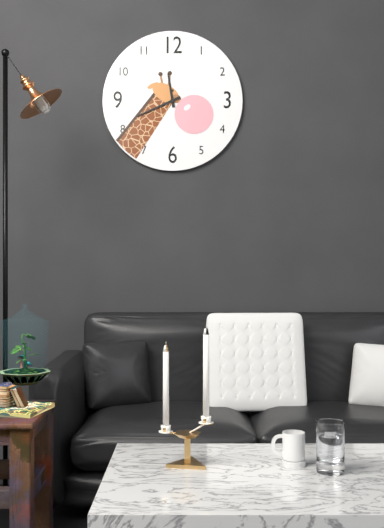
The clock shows 11:41
